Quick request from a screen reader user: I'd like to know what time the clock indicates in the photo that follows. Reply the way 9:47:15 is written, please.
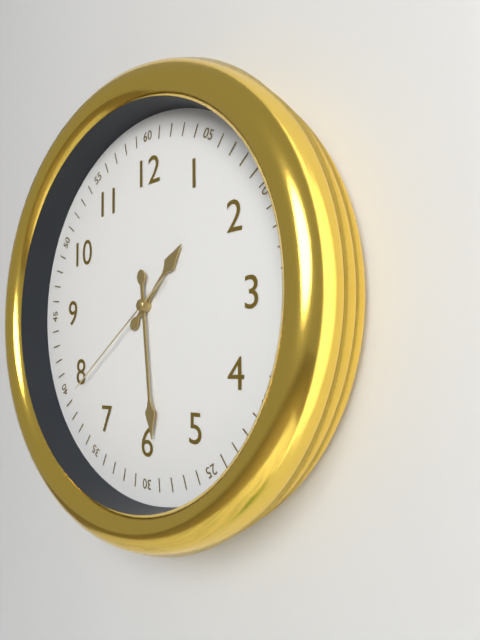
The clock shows 1:29:39
